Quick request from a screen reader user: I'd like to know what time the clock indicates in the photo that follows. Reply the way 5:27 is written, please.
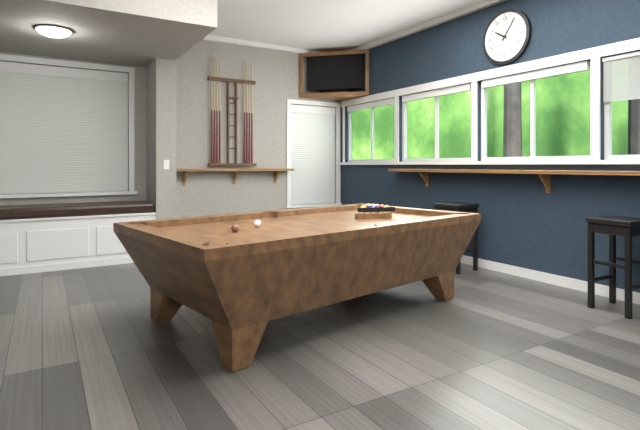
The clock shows 10:06
